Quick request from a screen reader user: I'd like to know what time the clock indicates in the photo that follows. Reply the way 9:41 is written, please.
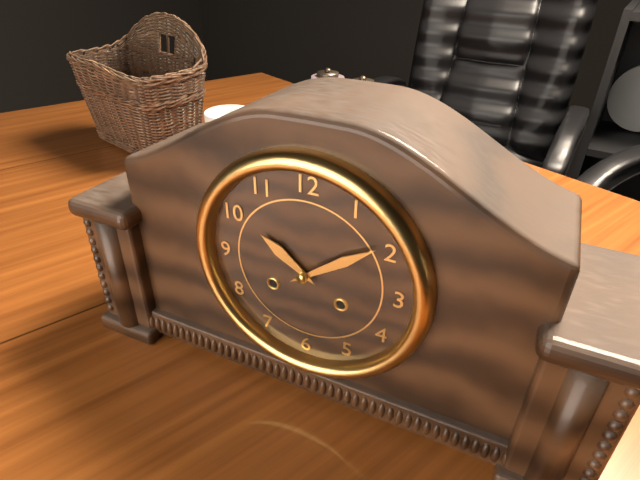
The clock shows 10:09
